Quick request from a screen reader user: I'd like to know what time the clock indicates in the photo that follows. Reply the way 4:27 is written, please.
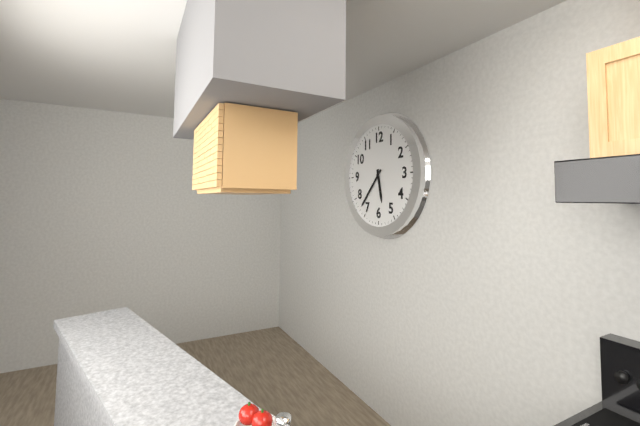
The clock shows 5:37
